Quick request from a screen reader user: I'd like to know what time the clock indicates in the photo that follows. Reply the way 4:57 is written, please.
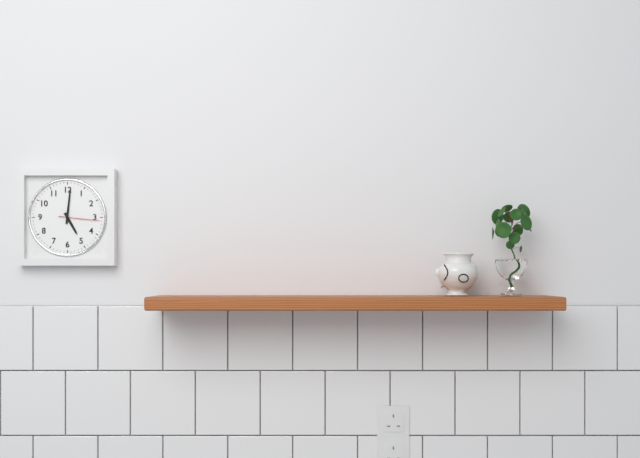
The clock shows 5:01
